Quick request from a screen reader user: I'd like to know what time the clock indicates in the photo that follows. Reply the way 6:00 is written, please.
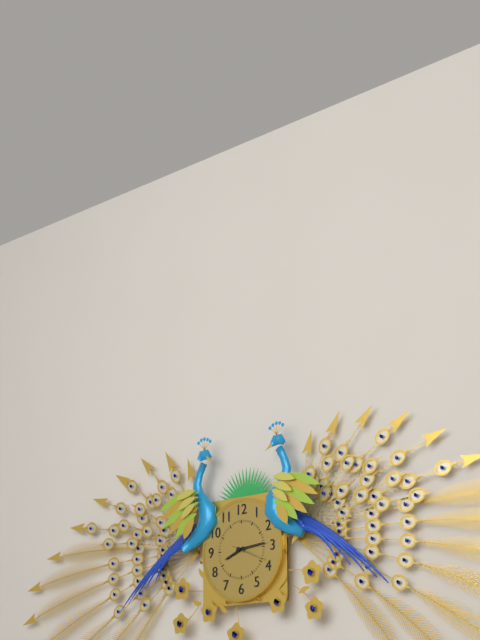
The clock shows 8:14
